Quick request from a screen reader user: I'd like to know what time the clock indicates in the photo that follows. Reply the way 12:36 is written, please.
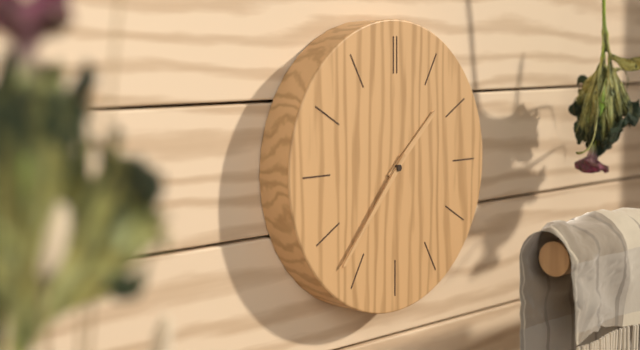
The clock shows 1:37
